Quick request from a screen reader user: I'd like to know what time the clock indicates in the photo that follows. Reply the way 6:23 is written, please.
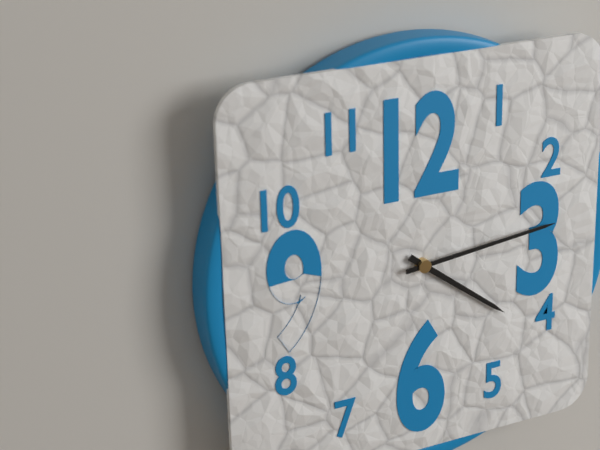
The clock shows 4:14
